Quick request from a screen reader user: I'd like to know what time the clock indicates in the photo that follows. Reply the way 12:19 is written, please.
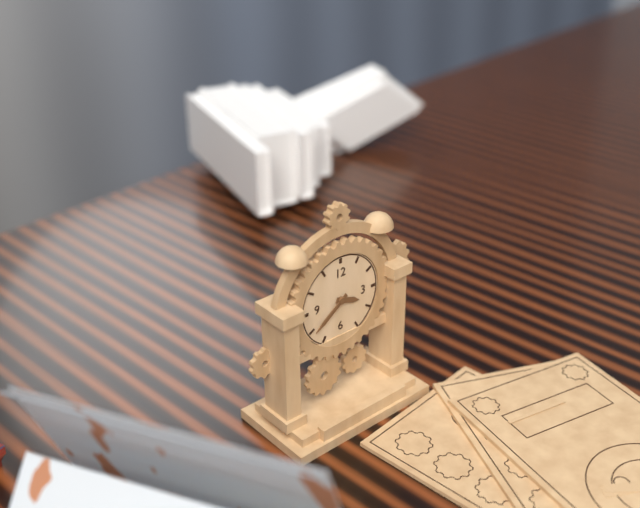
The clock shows 3:39
